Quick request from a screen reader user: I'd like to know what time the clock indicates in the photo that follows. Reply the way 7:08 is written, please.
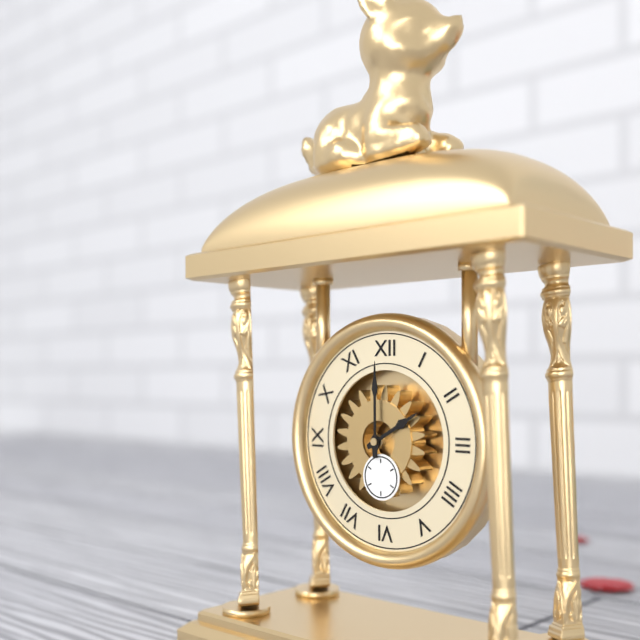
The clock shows 2:00
